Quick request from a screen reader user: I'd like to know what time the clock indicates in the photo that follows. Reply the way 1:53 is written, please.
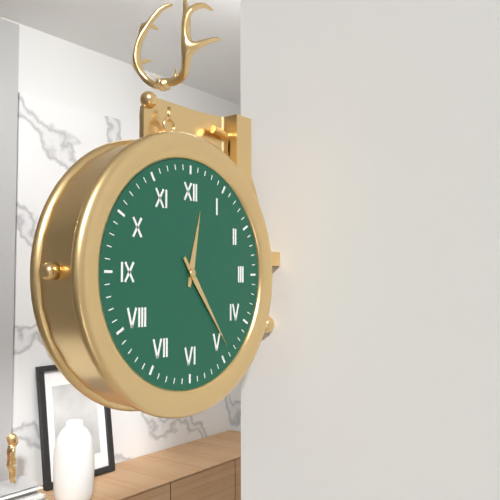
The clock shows 12:24
